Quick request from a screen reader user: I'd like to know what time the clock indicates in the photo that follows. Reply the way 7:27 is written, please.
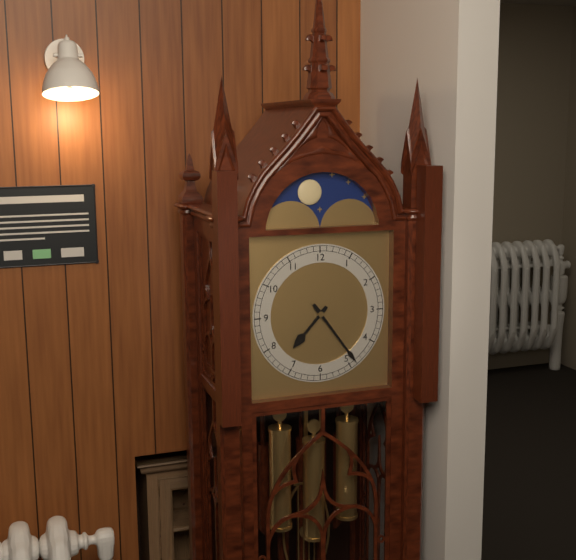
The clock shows 7:24
